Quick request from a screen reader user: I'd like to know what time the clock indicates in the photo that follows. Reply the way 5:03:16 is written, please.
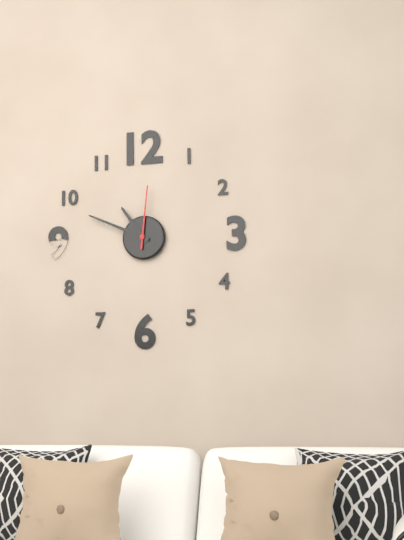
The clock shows 10:49:01
